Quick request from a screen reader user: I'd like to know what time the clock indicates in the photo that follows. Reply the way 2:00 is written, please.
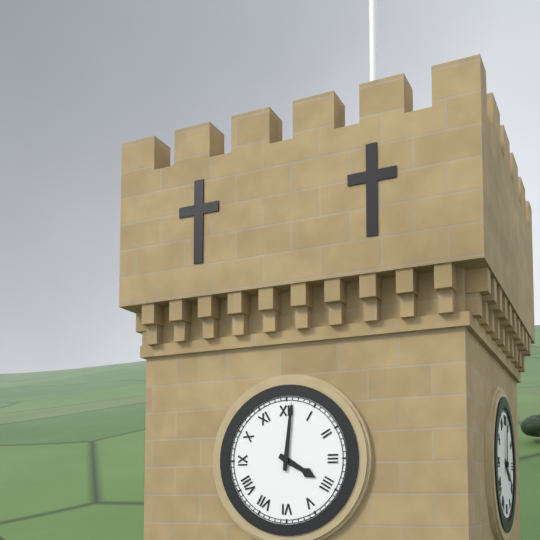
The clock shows 4:01
